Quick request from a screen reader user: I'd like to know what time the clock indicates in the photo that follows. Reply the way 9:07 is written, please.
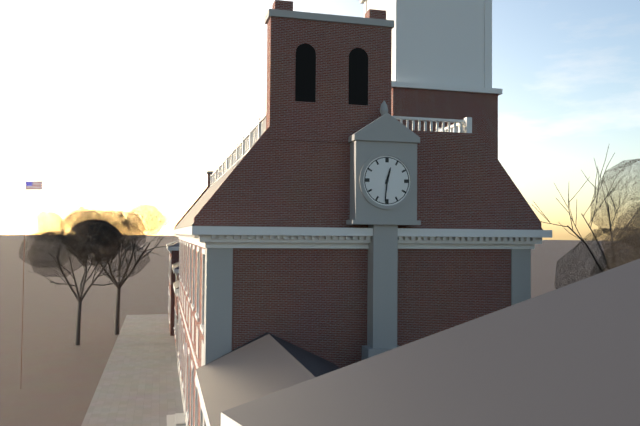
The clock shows 12:31
